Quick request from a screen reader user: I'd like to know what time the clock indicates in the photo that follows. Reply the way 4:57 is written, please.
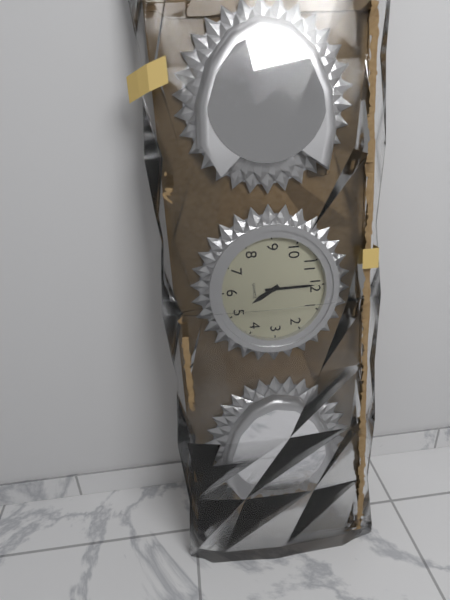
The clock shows 5:00
